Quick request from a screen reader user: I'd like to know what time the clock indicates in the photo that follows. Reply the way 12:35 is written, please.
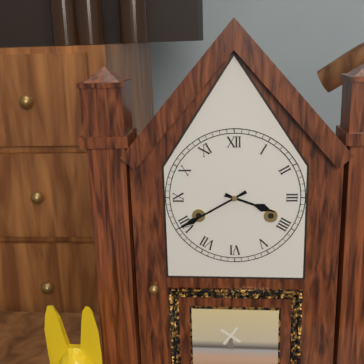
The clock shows 3:40
